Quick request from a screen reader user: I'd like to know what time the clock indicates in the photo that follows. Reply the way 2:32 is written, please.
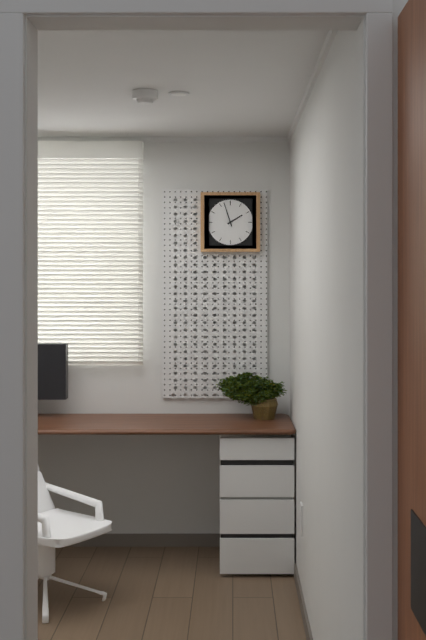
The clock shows 1:57
